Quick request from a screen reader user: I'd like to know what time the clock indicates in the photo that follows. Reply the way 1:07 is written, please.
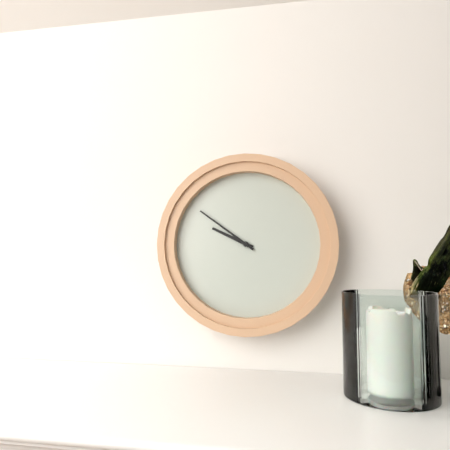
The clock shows 9:51
